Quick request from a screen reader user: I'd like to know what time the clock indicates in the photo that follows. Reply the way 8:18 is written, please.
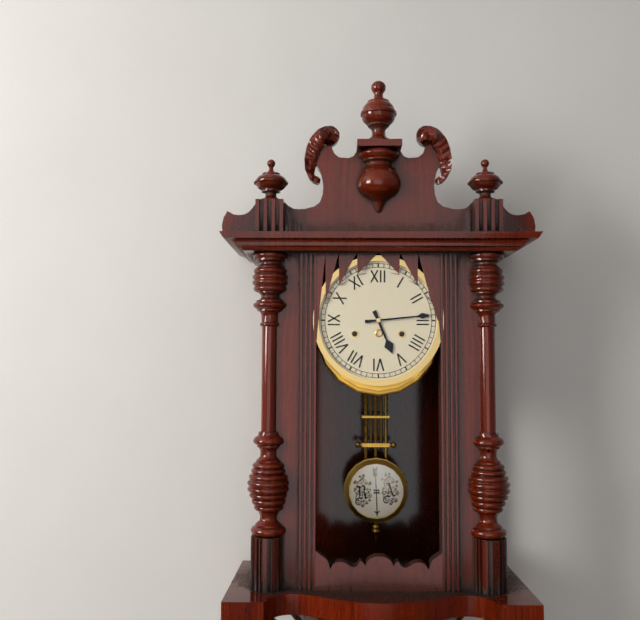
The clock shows 5:14
